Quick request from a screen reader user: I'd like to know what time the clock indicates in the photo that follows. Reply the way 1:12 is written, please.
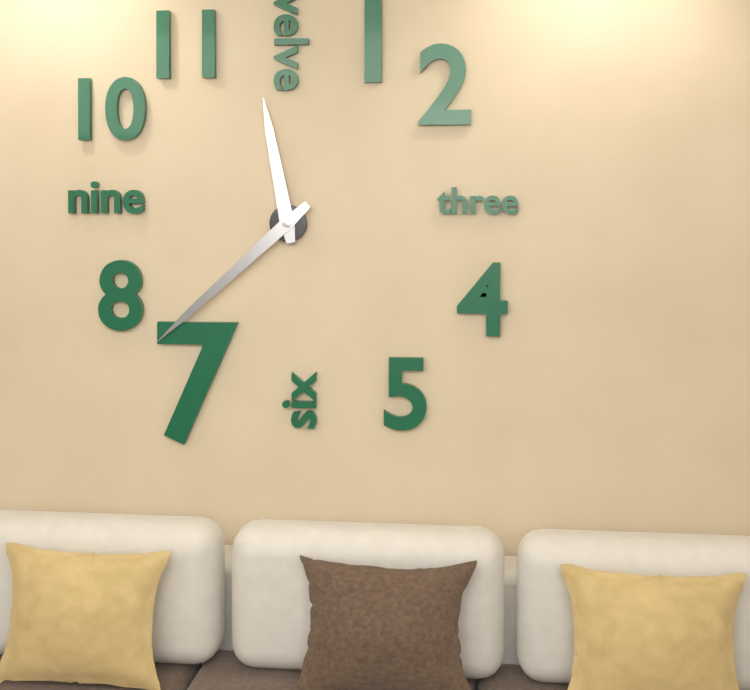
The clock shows 11:38
